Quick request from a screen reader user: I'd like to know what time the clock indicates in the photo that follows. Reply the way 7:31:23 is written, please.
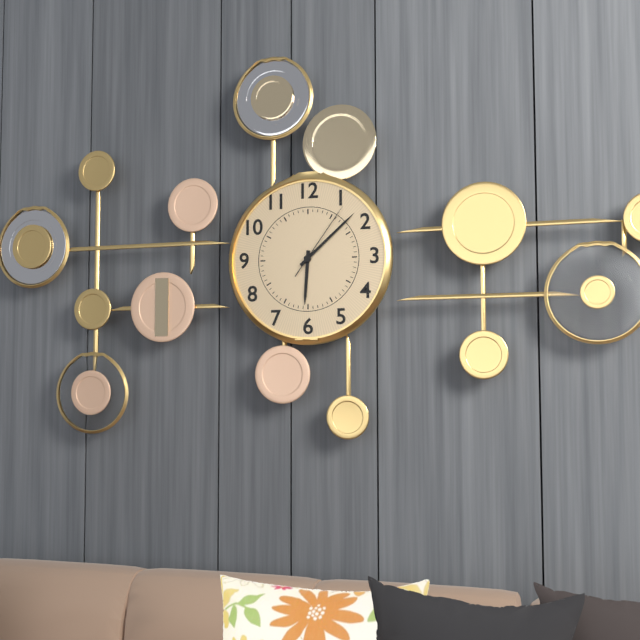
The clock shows 6:08:06
